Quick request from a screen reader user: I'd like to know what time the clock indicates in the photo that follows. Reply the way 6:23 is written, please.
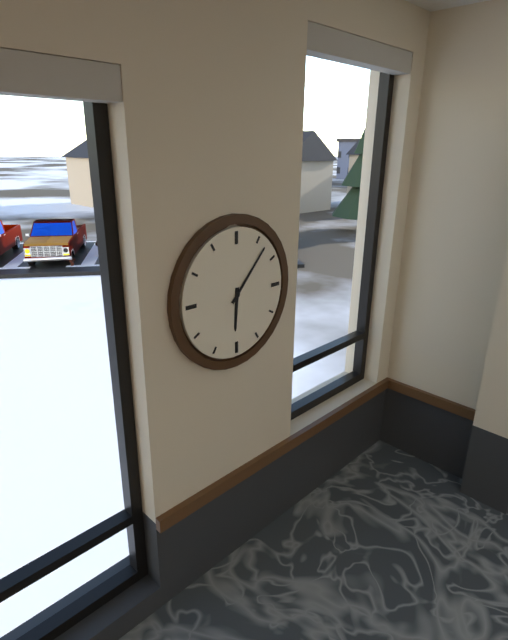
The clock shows 6:07
